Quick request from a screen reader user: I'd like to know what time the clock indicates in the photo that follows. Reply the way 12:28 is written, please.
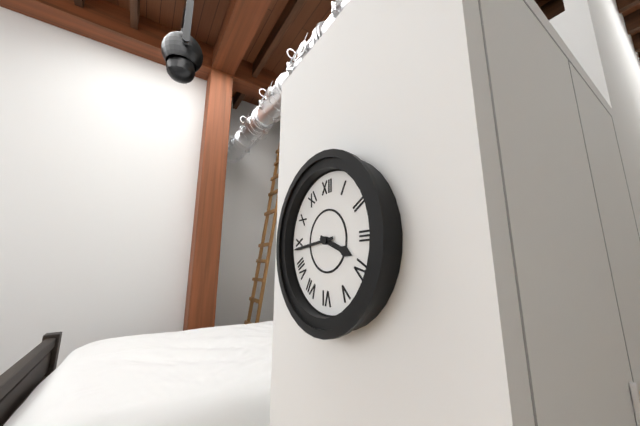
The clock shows 3:44
